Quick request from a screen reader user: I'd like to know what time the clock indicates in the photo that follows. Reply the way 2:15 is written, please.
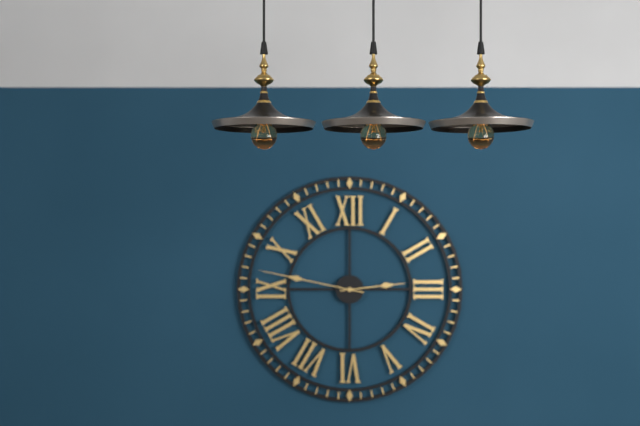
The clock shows 2:47
